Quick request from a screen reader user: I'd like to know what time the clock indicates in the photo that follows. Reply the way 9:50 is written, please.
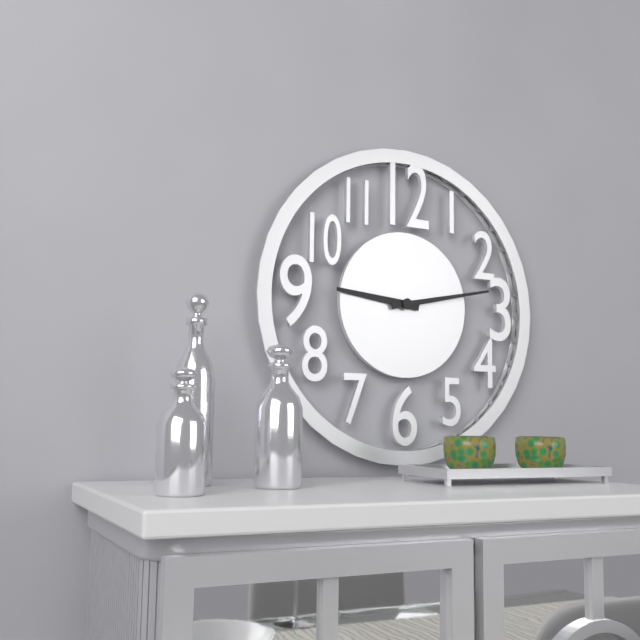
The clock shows 9:13
